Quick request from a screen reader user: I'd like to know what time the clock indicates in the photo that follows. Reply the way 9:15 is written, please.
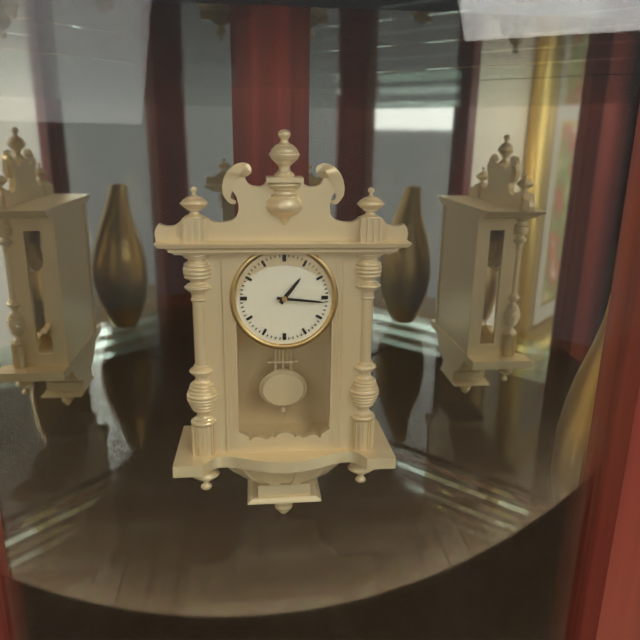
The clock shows 1:16
